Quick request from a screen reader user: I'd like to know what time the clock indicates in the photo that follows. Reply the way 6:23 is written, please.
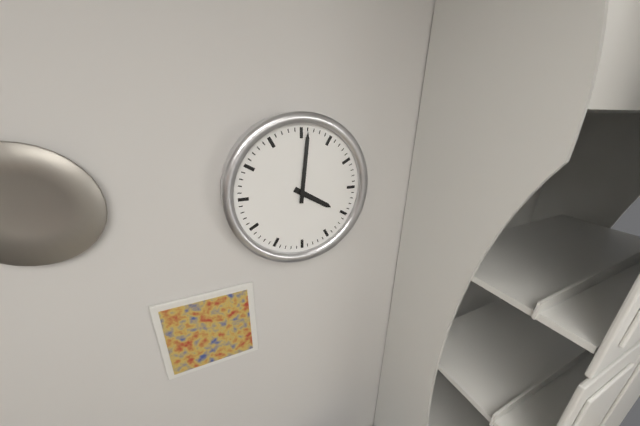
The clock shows 4:01
